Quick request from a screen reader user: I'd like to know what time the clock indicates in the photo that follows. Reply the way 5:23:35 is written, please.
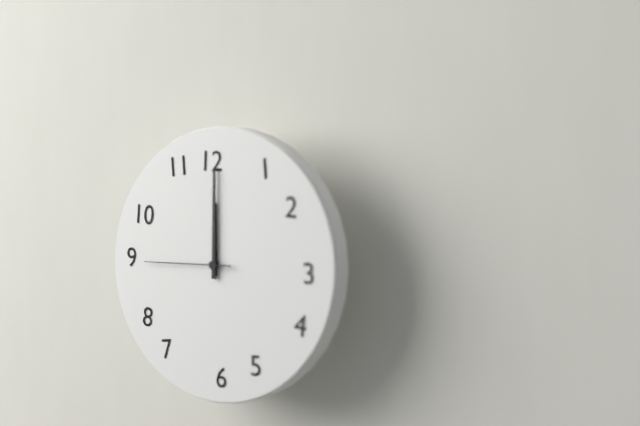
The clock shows 12:00:45
